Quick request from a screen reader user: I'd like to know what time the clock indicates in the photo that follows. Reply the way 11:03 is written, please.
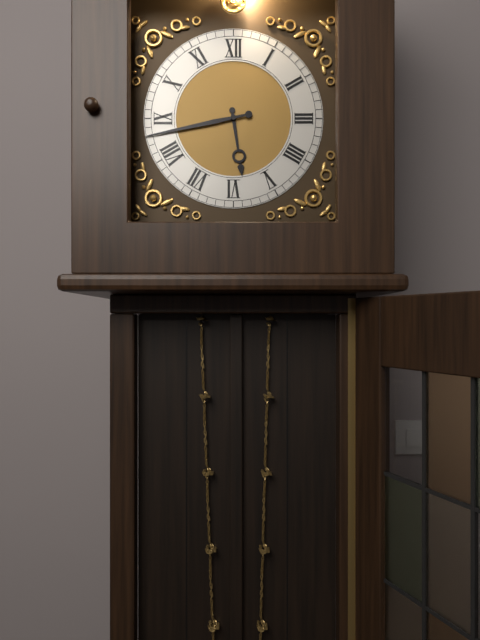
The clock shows 5:43
